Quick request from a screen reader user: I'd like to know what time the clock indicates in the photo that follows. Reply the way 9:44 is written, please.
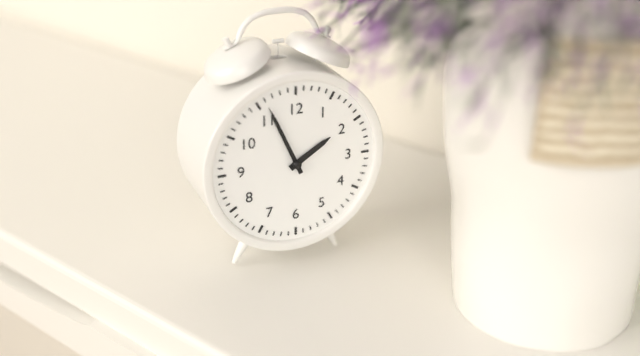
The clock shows 1:56
